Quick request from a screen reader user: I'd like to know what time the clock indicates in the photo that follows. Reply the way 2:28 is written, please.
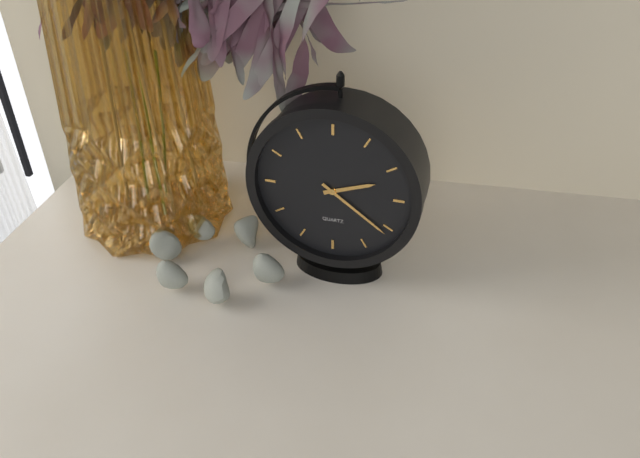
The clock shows 2:21
